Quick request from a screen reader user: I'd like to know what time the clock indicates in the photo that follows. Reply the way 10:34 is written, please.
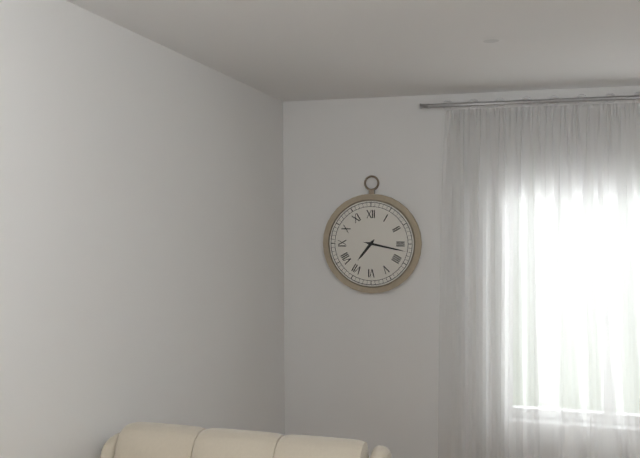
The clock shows 7:17
